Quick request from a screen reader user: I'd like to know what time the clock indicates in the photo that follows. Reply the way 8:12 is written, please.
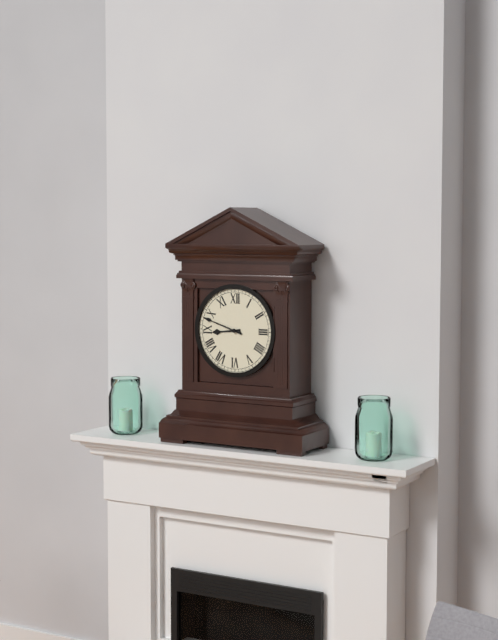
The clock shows 8:48
